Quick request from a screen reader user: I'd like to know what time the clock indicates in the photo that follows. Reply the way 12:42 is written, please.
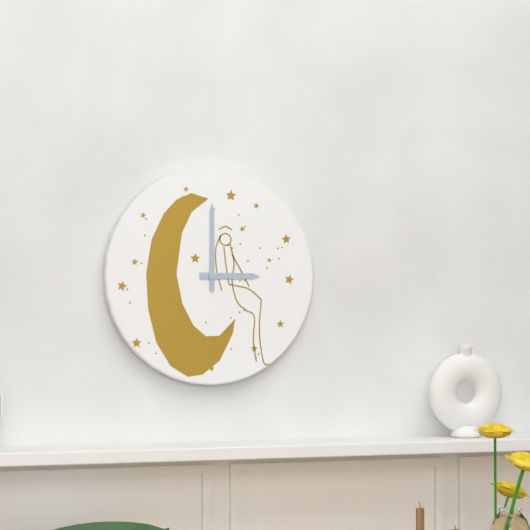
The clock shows 3:00
